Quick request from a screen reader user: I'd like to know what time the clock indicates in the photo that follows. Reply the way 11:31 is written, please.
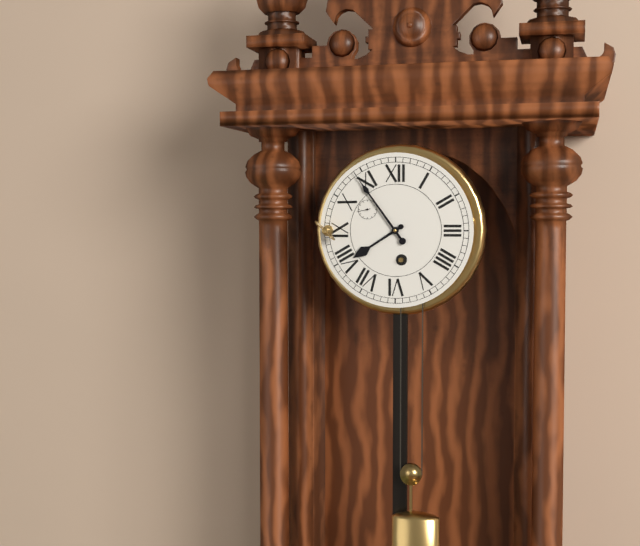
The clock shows 7:54
